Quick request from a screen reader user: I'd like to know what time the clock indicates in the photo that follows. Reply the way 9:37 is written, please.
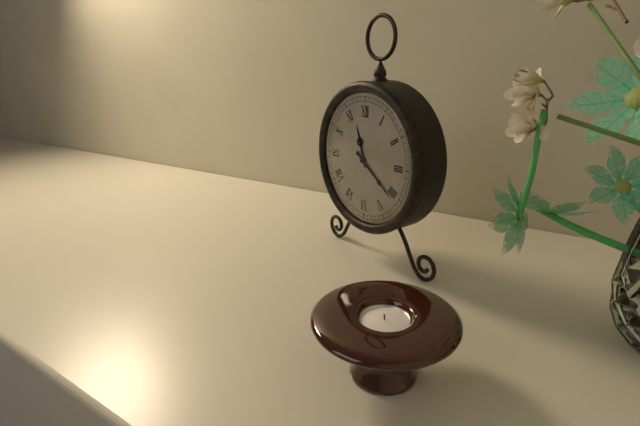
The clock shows 11:21
